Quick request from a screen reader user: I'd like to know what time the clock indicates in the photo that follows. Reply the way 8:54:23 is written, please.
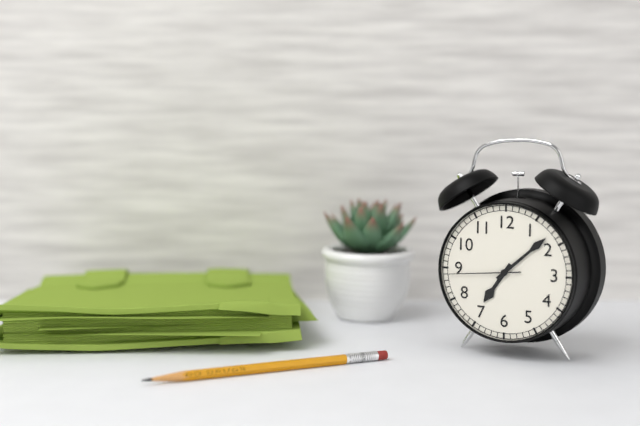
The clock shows 7:08:44
